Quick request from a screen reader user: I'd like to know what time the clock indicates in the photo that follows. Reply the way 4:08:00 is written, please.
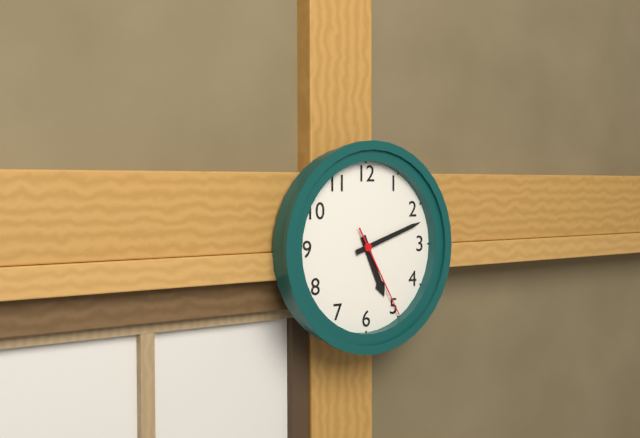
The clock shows 5:12:25
